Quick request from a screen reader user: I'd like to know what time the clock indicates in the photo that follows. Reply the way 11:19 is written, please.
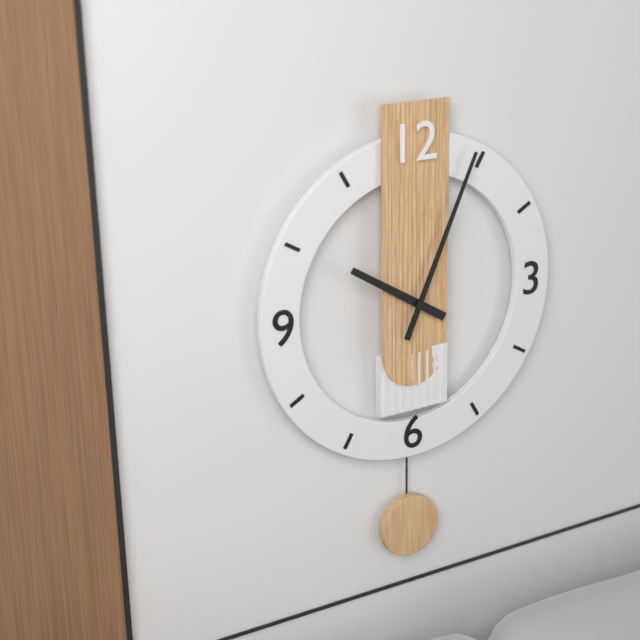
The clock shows 10:04
